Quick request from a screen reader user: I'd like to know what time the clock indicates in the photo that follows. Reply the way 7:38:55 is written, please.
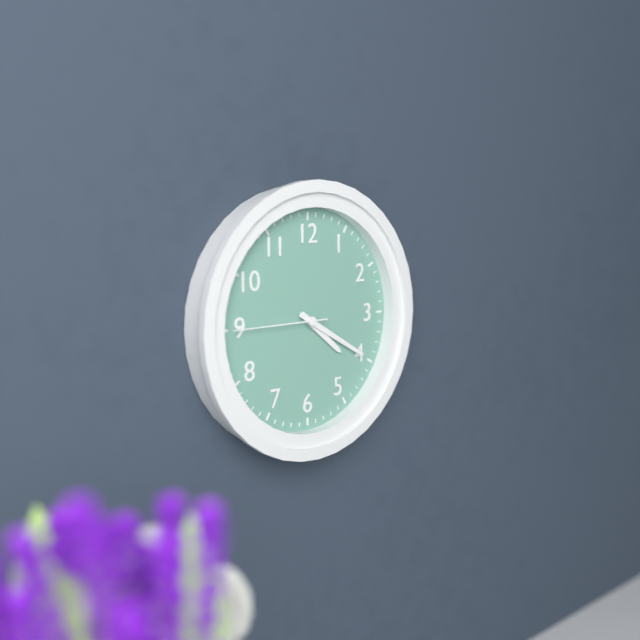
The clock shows 4:20:45
